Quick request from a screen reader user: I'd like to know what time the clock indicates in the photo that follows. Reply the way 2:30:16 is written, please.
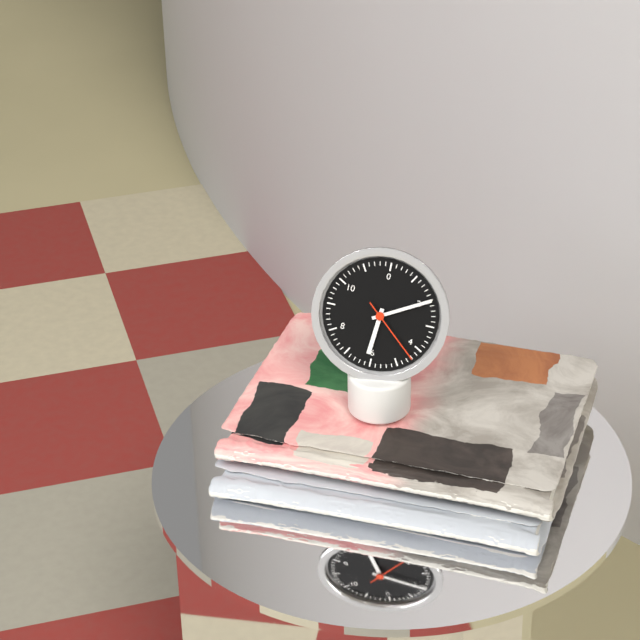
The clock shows 6:10:22
